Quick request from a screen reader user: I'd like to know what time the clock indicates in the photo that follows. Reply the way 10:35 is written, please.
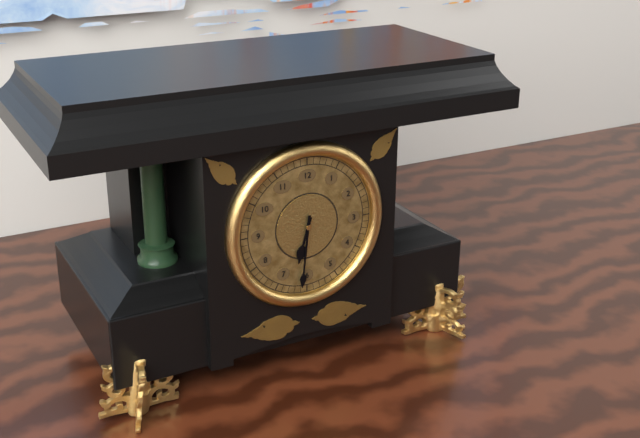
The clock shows 6:31
